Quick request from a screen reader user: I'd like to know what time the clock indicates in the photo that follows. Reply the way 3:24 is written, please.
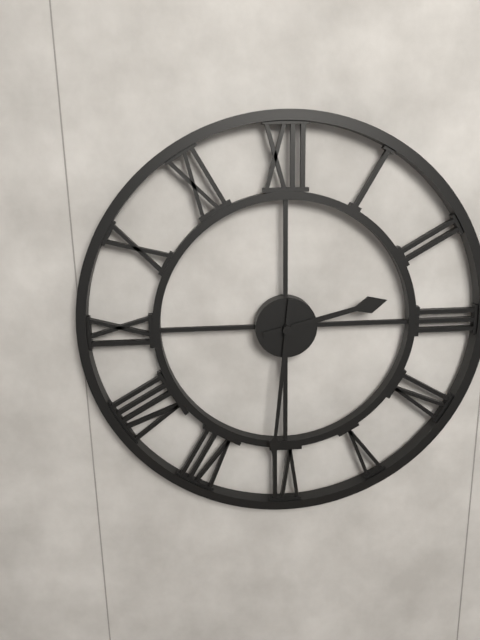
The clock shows 2:31
